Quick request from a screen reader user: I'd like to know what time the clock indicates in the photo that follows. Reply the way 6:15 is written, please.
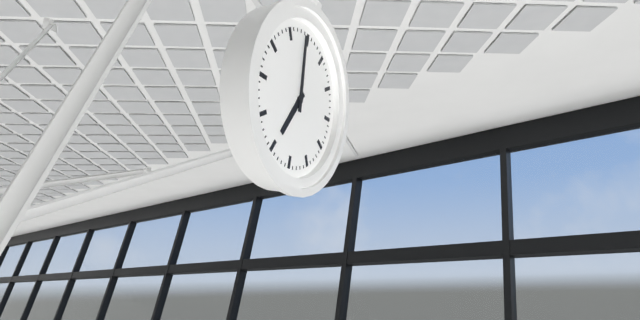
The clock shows 6:59
